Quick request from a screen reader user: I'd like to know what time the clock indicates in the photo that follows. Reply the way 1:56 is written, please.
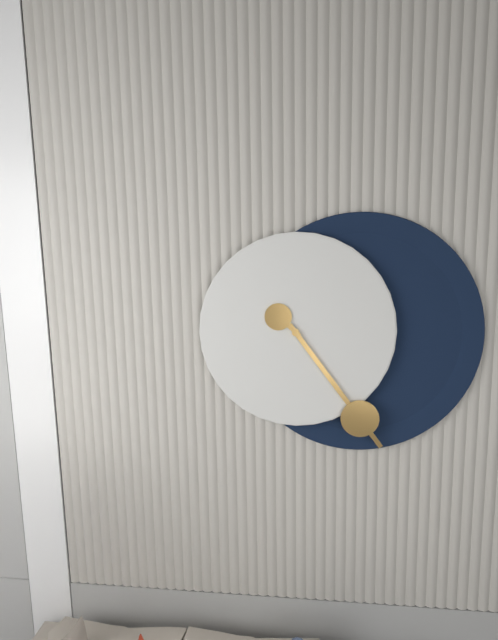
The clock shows 10:24
